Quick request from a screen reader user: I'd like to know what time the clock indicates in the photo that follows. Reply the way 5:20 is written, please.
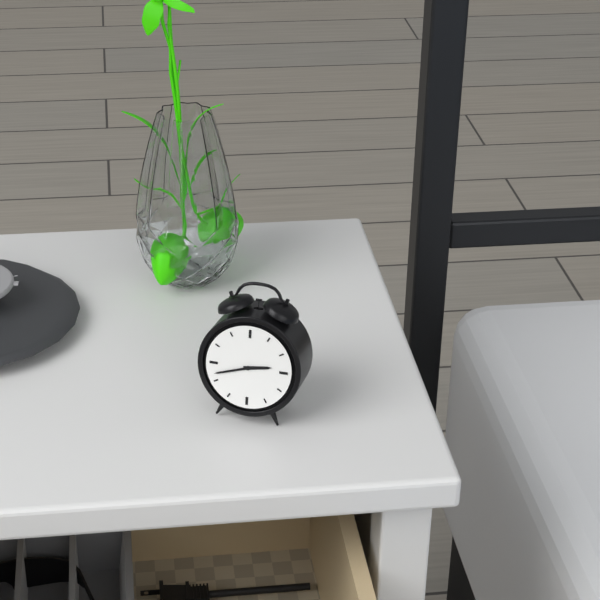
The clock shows 2:42
